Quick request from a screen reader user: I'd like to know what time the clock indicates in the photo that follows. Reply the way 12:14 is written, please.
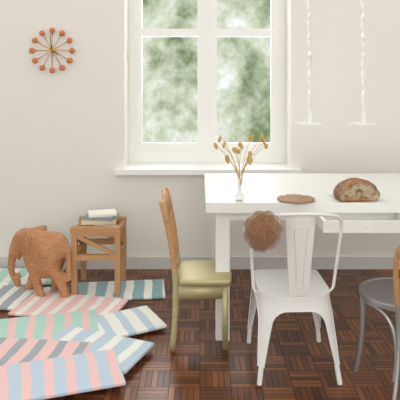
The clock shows 3:59
